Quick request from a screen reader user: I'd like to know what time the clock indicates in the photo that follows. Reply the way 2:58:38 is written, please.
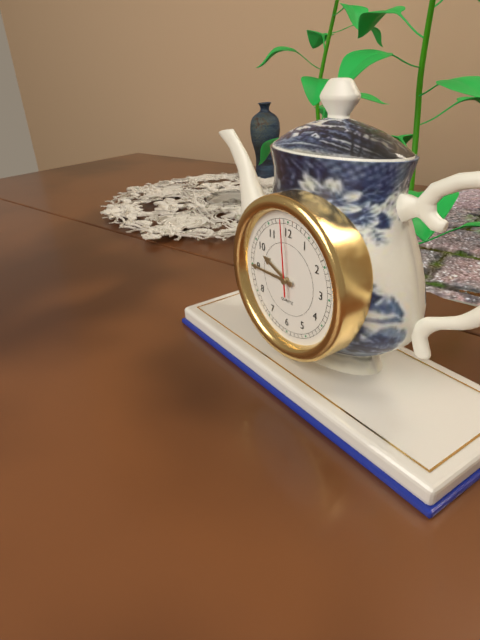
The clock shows 9:45:59
